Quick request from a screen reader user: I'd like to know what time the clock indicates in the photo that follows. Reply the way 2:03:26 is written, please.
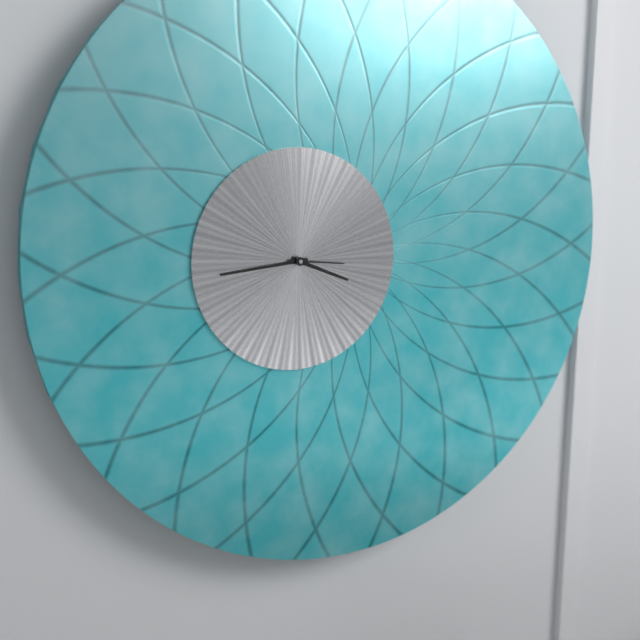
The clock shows 3:44:16
